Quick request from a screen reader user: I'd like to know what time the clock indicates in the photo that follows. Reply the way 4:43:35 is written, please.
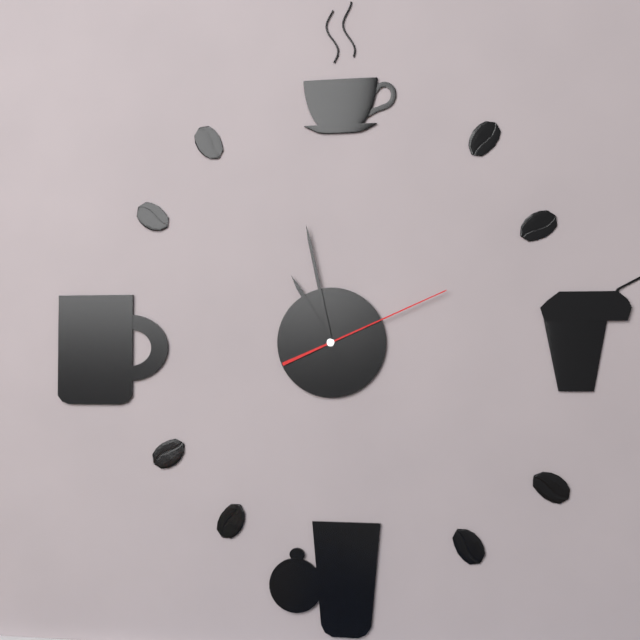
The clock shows 10:58:11
